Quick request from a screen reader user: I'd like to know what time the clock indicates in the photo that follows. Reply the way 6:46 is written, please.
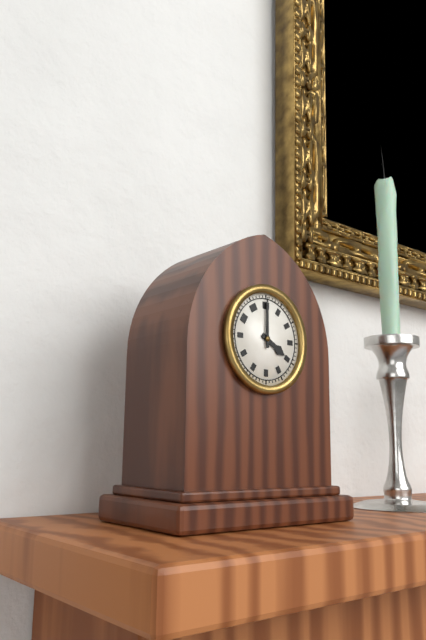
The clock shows 4:00
